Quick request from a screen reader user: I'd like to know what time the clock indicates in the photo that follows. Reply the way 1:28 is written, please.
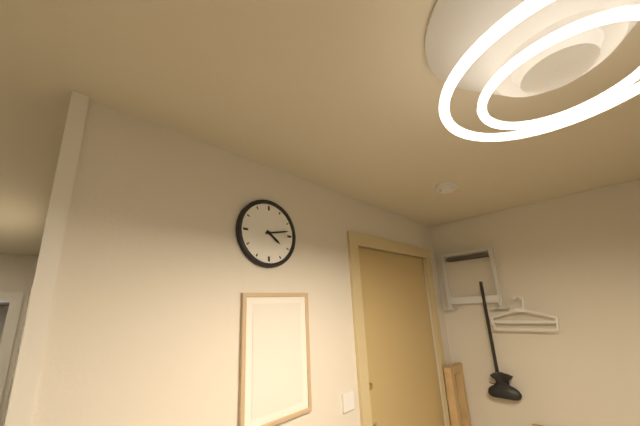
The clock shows 4:13
